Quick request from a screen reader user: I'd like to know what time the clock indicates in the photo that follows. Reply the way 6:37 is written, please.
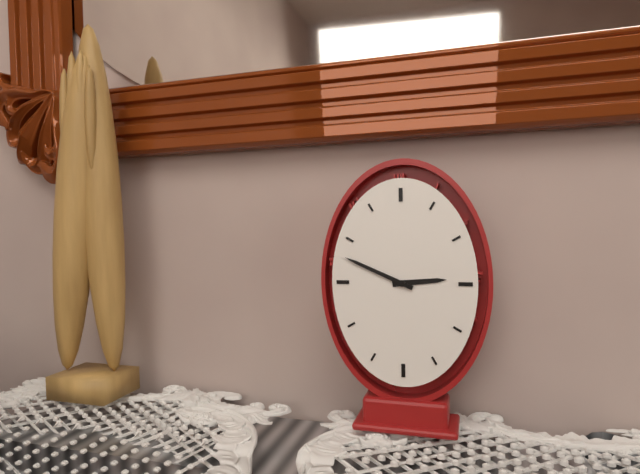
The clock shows 2:49
